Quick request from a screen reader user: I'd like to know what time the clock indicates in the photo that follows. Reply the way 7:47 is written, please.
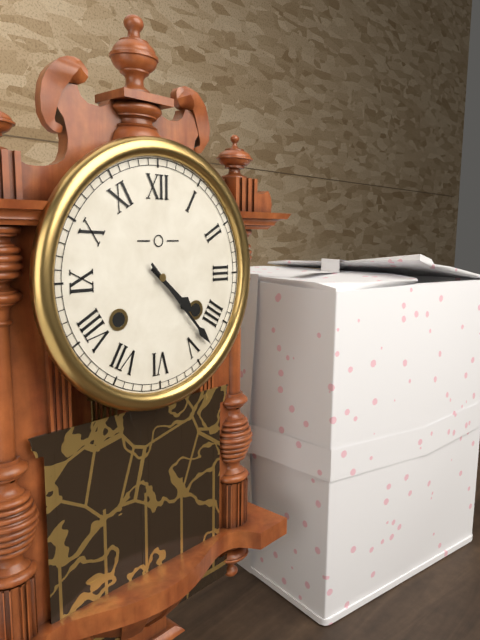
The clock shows 4:23
